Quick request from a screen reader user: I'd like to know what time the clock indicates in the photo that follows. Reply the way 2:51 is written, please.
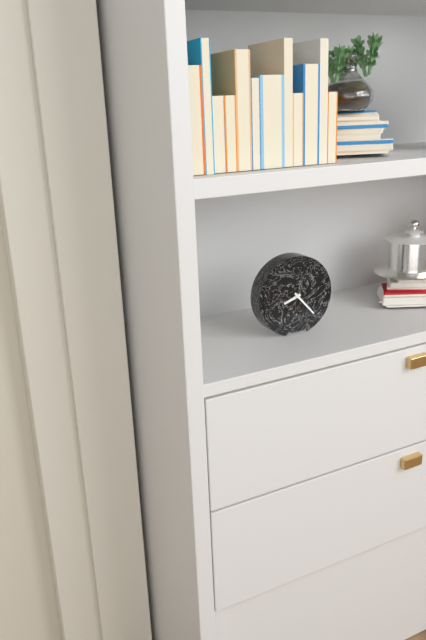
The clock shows 8:23
